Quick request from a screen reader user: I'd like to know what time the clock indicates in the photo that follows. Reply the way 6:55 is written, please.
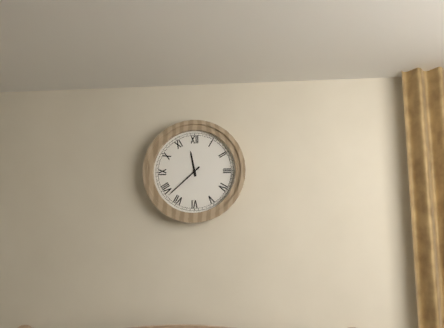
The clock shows 11:38
